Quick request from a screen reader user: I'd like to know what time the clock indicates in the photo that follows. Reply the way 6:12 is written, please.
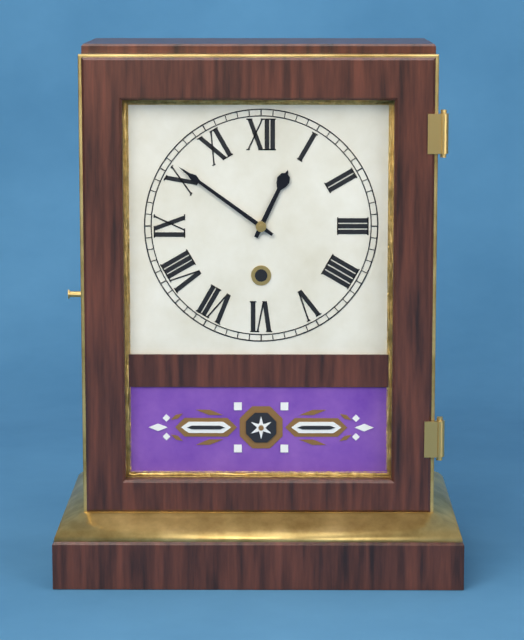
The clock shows 12:51
